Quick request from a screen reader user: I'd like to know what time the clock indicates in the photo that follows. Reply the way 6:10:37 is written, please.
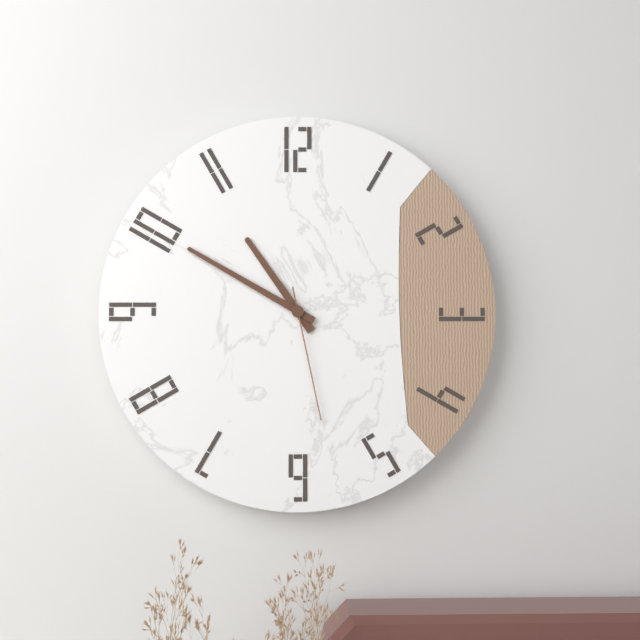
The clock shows 10:50:28
